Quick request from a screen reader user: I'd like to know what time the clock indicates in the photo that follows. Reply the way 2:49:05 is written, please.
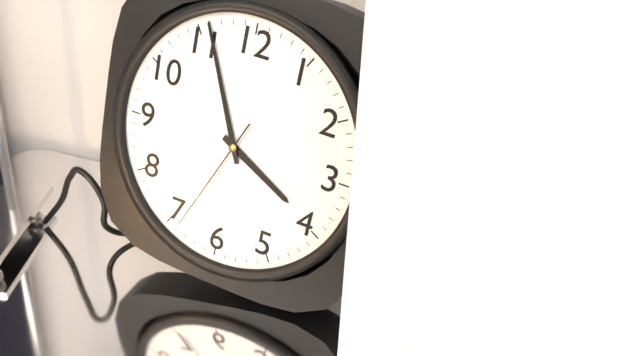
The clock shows 3:56:34
